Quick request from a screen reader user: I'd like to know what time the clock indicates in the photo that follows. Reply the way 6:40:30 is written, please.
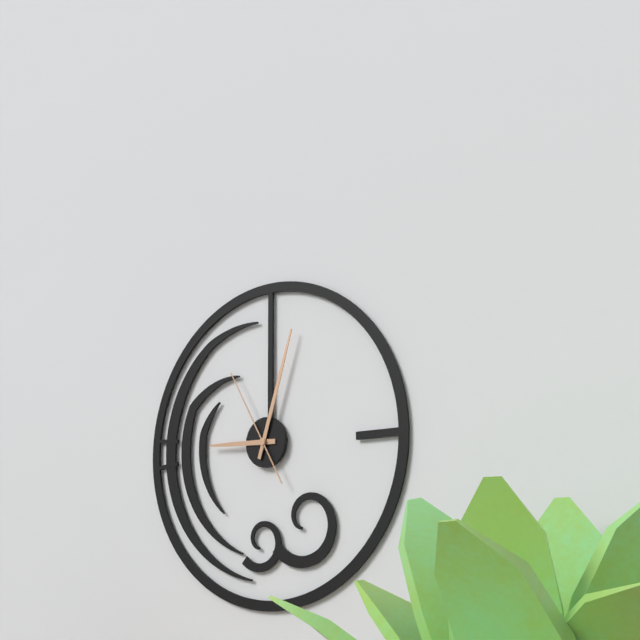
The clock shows 9:03:55
